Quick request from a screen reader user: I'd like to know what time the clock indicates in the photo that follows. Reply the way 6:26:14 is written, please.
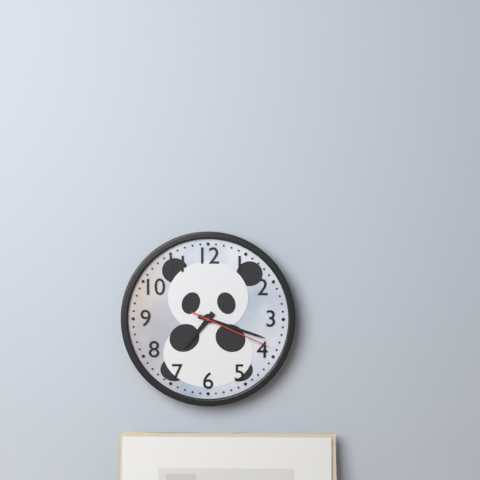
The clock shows 7:18:19
